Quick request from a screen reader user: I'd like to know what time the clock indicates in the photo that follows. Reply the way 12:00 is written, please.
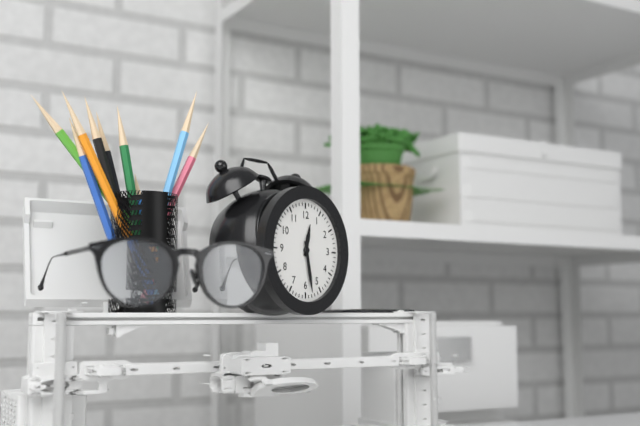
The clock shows 12:28
